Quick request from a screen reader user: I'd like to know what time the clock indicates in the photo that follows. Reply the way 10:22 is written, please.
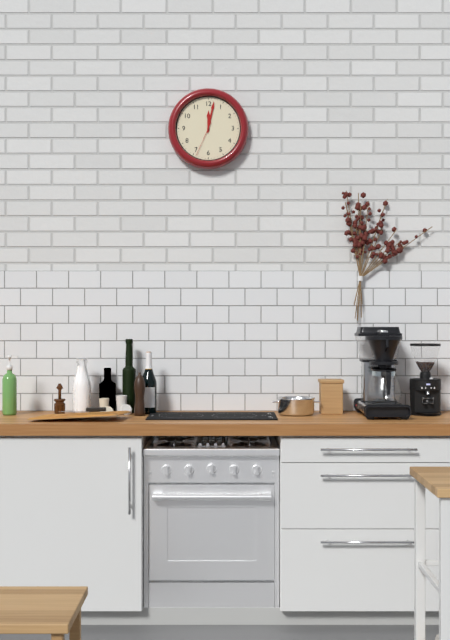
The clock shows 12:02
